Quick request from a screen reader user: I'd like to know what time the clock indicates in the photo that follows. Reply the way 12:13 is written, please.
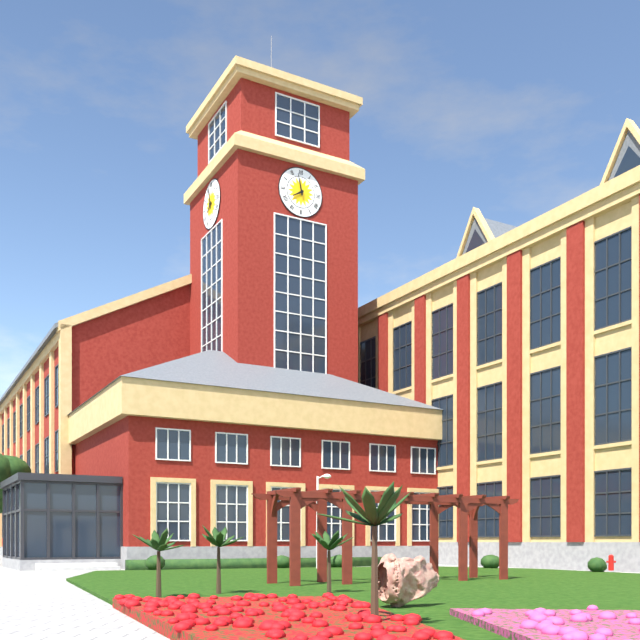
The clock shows 7:58
